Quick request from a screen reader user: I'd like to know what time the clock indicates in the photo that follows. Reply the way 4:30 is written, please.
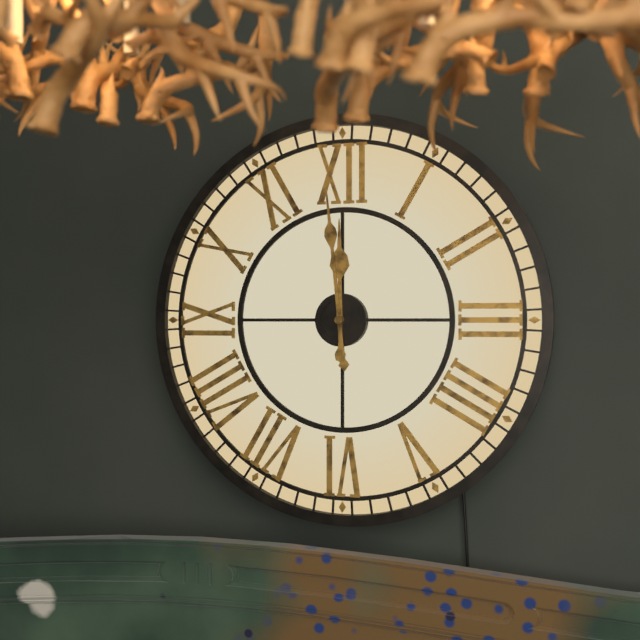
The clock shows 11:59
